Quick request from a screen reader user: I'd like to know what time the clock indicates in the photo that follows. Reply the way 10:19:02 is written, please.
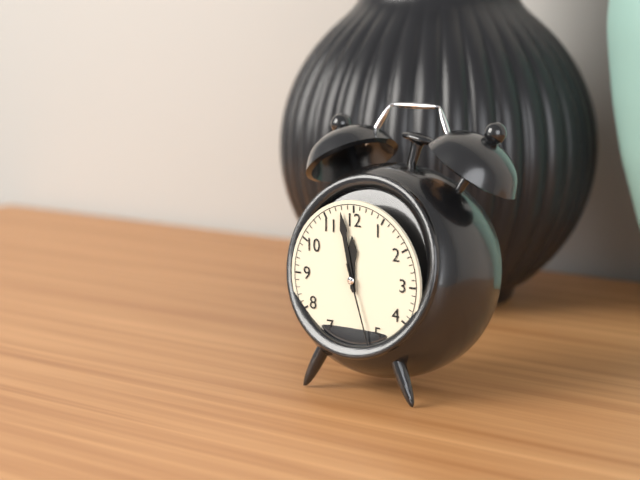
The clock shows 11:58:27
